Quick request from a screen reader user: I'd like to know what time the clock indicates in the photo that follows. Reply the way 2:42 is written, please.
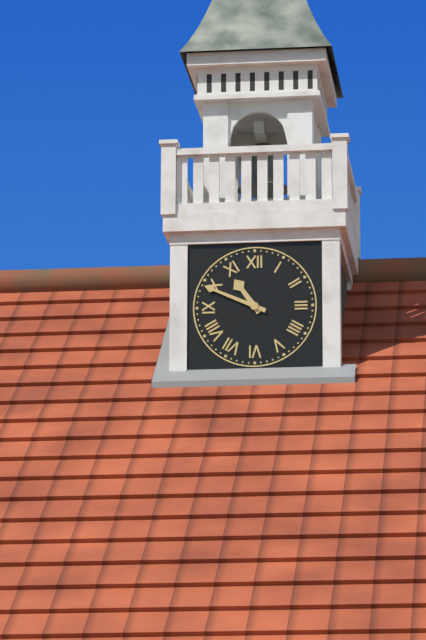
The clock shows 10:49
